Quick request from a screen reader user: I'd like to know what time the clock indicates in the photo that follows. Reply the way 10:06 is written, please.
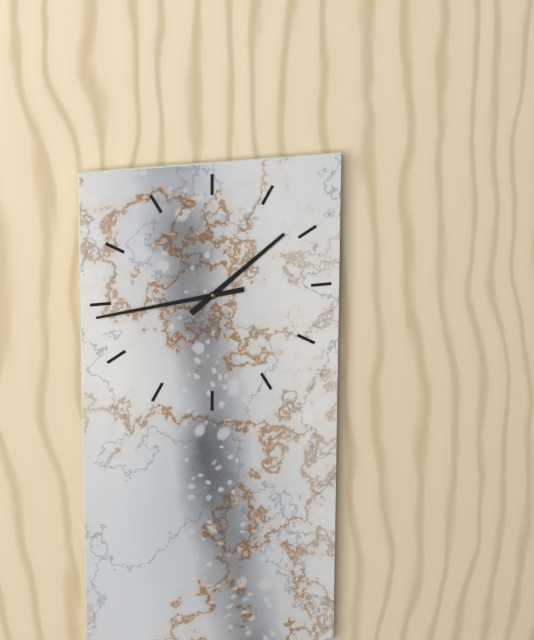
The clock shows 1:44
